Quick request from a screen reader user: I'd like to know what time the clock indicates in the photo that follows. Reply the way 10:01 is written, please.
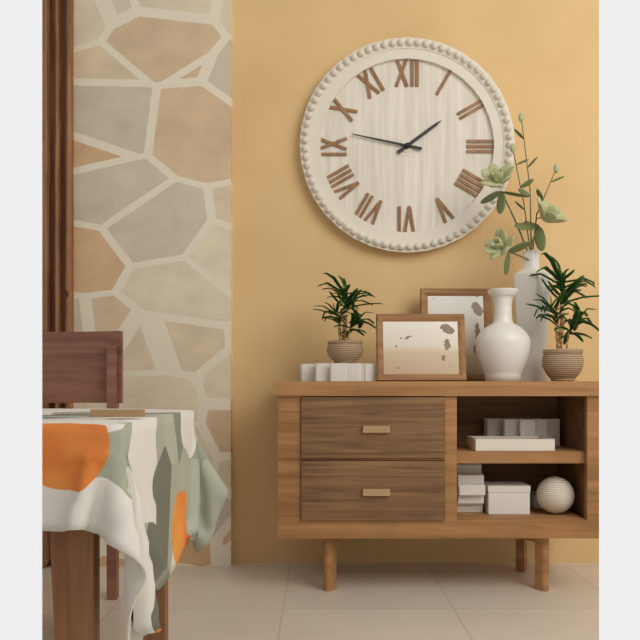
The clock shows 1:47
